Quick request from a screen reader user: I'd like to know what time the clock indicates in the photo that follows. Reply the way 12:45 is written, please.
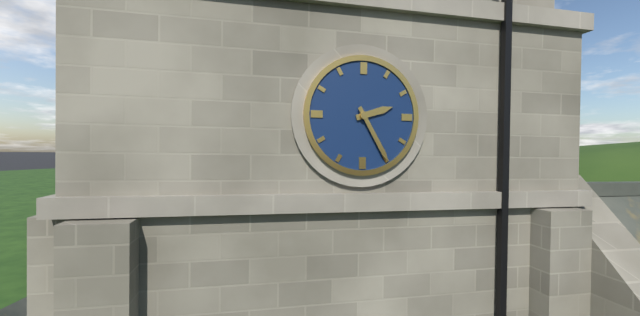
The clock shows 2:25
